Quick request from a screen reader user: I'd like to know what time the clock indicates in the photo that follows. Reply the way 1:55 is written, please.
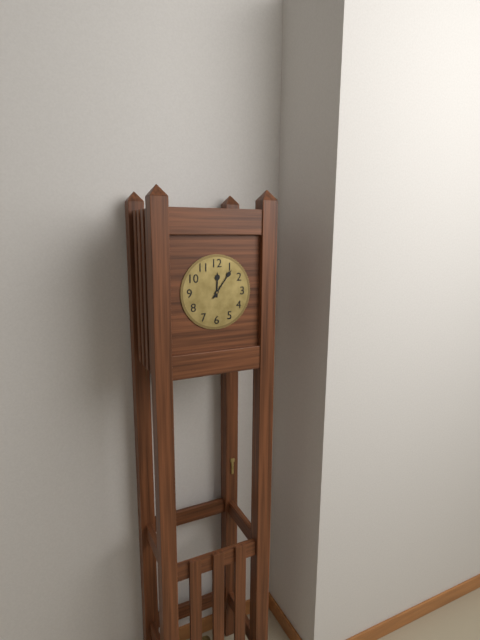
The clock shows 12:06
